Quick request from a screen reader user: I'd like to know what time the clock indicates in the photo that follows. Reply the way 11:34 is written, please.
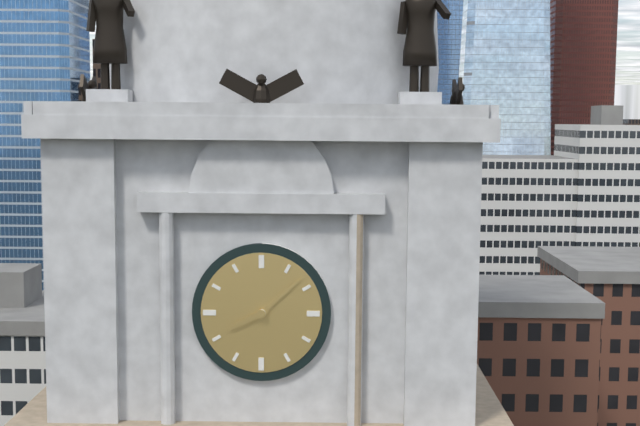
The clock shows 8:08
